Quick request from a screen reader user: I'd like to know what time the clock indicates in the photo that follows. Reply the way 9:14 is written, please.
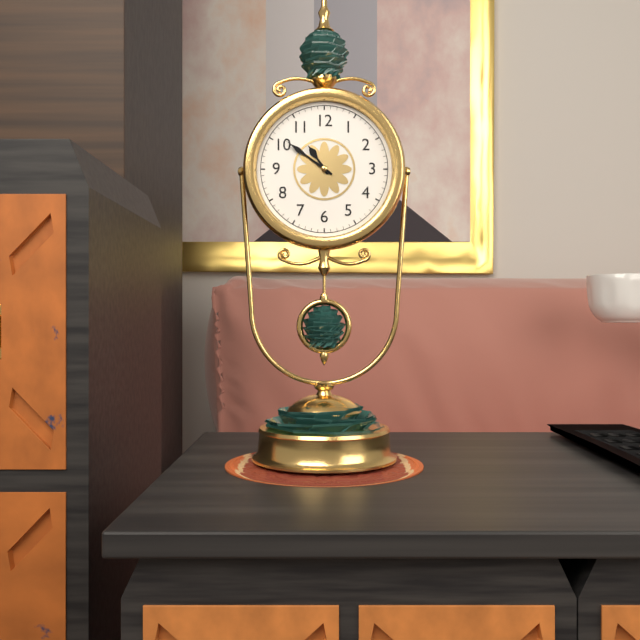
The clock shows 10:51
